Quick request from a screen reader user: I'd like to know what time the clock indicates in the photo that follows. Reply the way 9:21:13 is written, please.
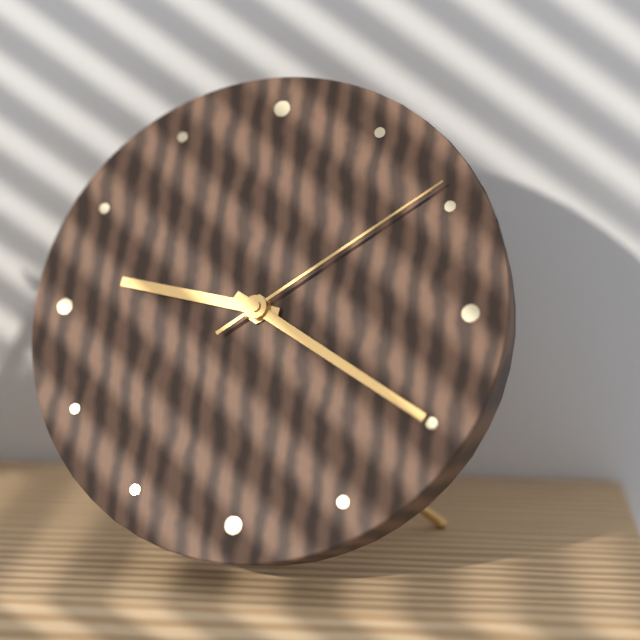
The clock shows 9:20:09
